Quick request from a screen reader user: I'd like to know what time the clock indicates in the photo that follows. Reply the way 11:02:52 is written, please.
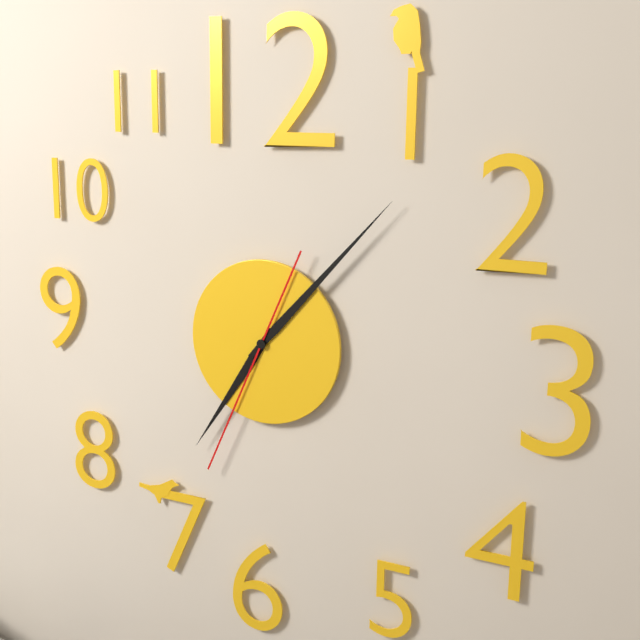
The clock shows 7:07:34
